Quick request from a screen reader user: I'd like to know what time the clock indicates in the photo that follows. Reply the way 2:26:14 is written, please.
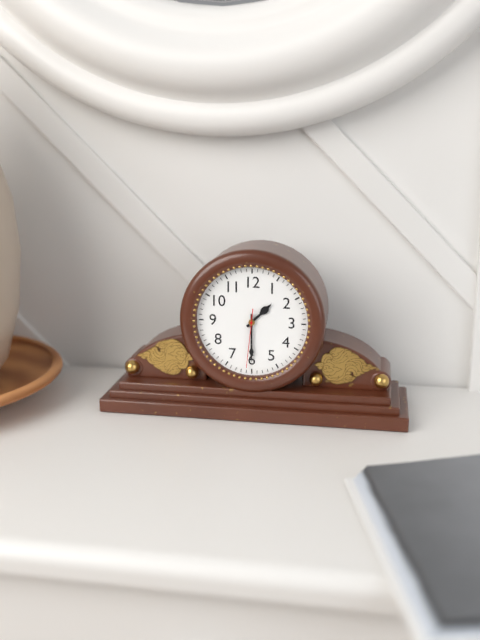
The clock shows 1:30:31
